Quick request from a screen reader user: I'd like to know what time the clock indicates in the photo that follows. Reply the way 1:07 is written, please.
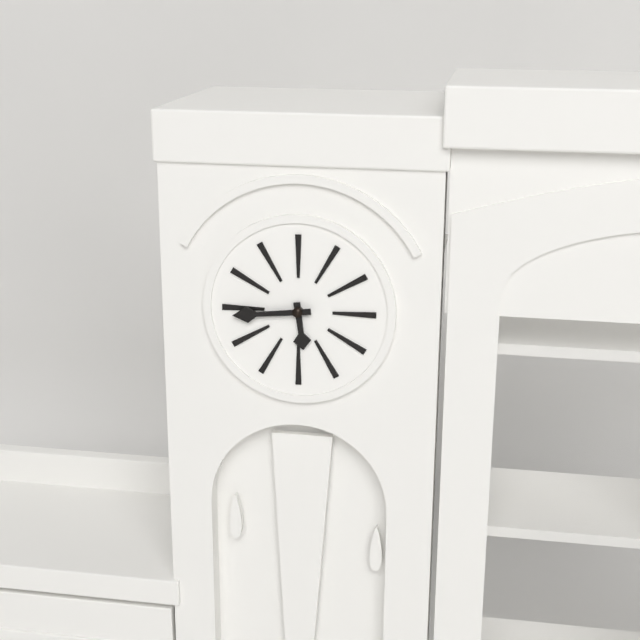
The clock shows 5:44
